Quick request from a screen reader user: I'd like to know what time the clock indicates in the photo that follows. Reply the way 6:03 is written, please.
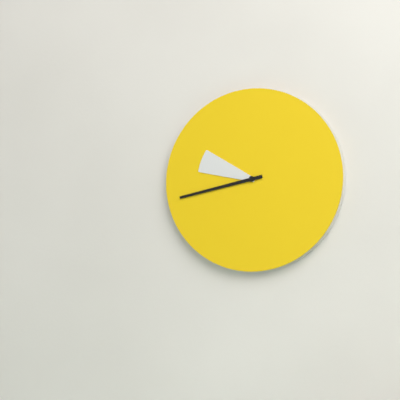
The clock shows 9:43
